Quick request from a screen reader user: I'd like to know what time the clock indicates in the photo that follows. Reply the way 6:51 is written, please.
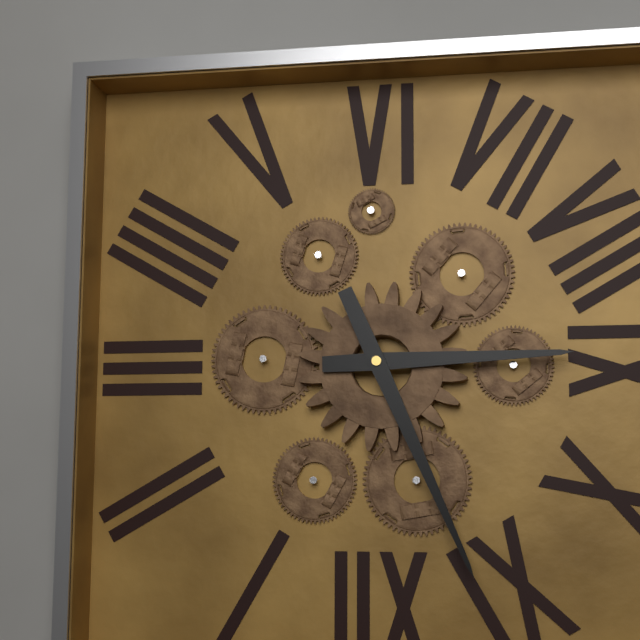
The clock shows 8:56
